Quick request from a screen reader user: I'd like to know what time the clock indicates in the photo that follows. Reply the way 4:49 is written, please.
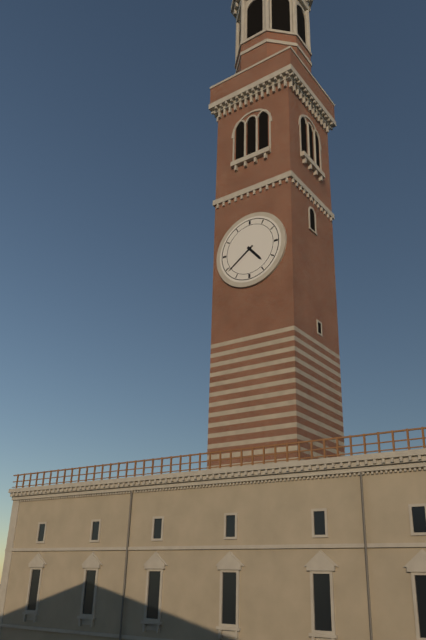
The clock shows 4:39
